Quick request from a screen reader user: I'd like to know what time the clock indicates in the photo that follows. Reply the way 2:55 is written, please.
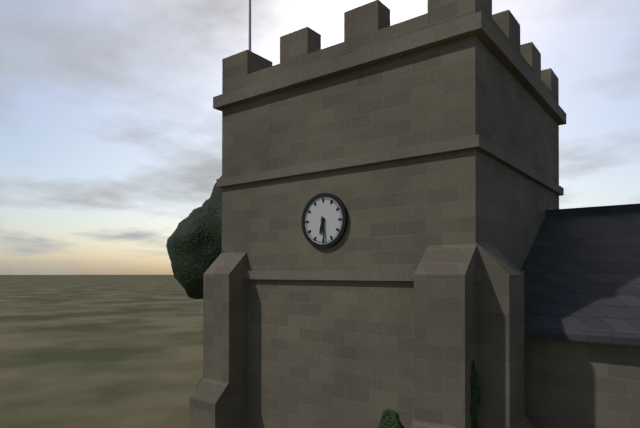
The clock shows 6:29
